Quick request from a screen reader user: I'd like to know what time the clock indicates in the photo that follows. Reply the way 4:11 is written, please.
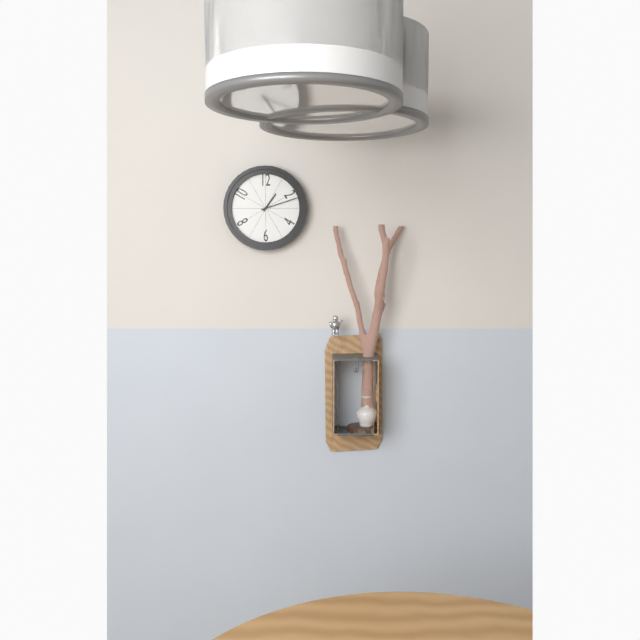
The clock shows 1:12
